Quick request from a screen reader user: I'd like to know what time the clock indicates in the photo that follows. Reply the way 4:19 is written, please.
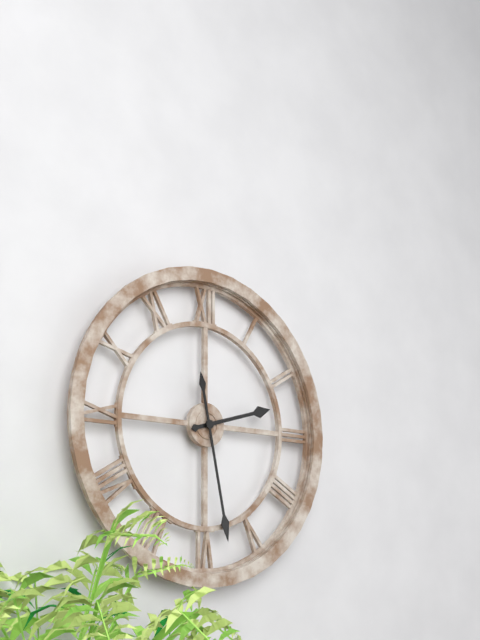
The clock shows 2:28
